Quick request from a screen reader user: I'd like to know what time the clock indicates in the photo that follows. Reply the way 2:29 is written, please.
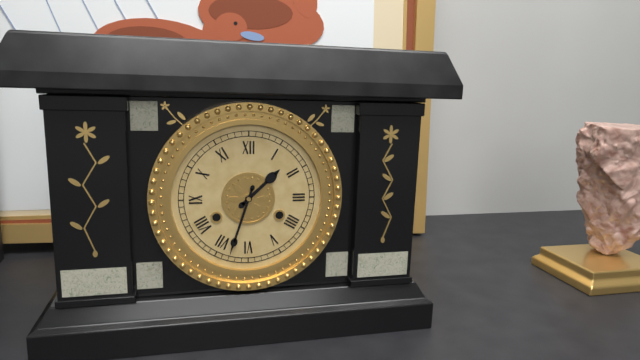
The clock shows 1:33
